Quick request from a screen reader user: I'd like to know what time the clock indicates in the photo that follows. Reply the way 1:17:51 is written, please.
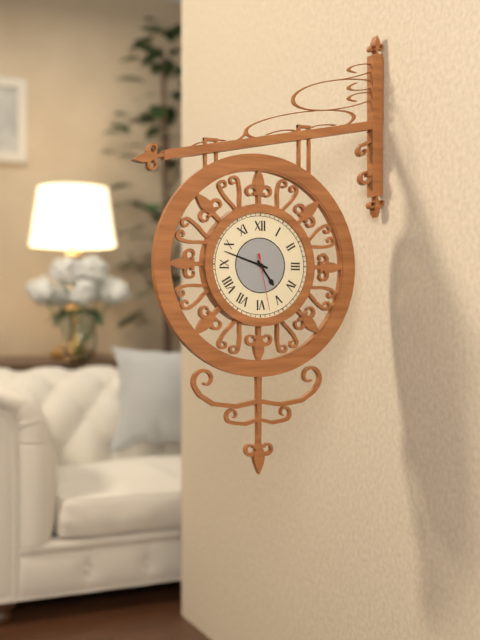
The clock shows 4:48:28
